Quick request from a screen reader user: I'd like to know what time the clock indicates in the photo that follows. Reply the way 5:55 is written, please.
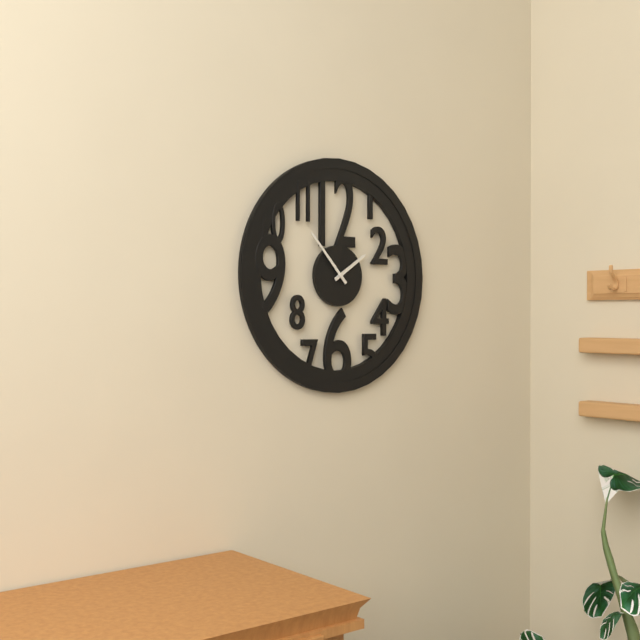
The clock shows 1:53
